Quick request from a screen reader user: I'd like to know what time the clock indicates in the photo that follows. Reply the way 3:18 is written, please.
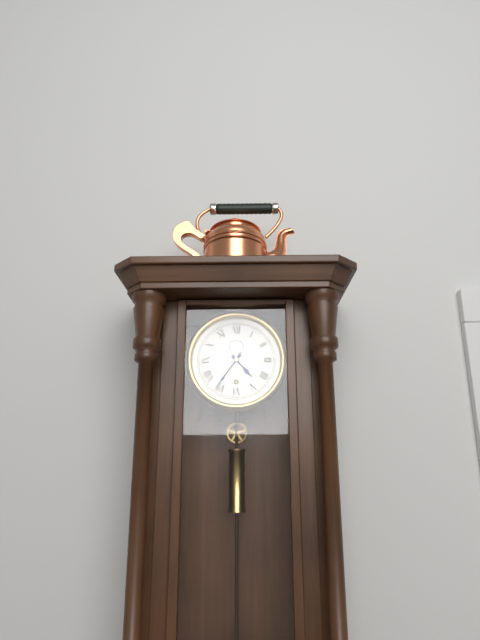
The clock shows 4:36
